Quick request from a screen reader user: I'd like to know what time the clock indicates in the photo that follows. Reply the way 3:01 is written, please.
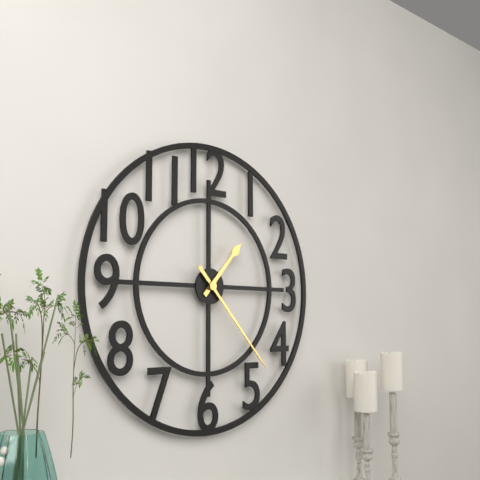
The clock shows 1:23
